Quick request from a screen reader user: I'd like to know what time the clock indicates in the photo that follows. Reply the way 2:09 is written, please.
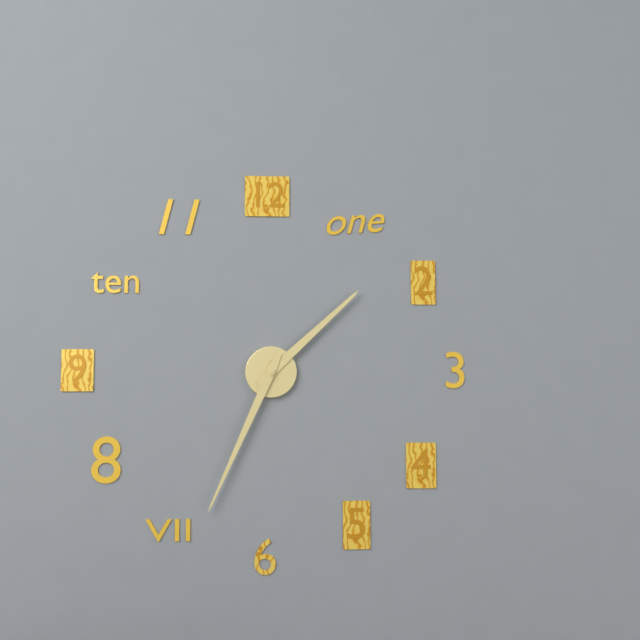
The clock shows 1:34
